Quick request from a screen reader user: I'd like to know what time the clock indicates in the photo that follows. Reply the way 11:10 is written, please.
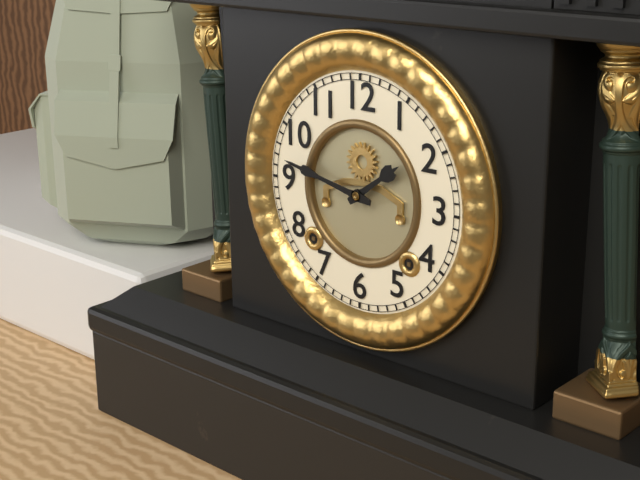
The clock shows 1:47
